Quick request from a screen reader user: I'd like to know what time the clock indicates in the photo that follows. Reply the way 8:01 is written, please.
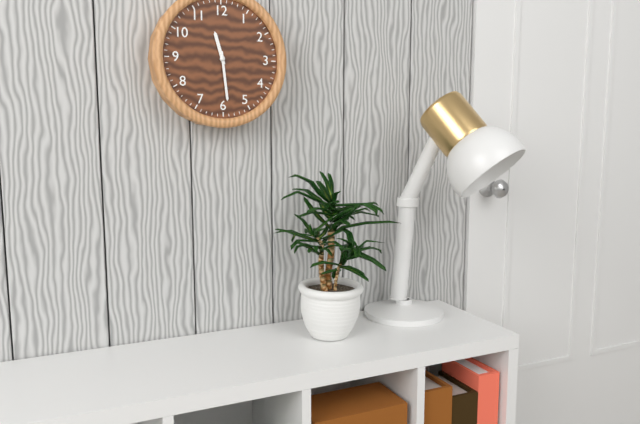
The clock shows 11:29
